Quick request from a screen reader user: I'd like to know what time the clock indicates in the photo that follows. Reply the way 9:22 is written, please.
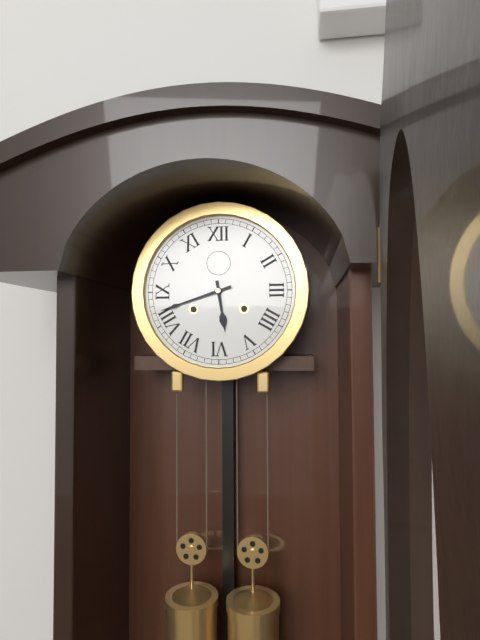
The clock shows 5:42
